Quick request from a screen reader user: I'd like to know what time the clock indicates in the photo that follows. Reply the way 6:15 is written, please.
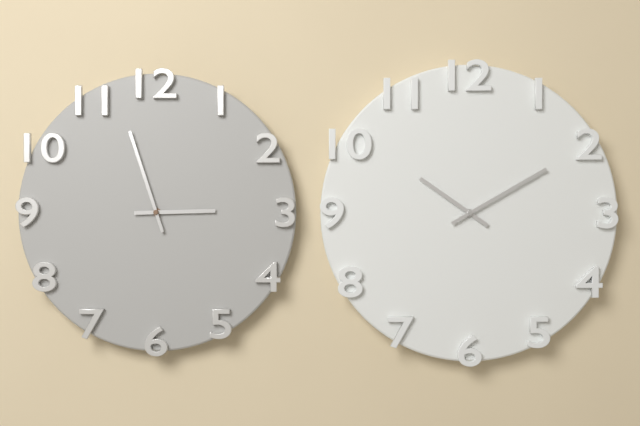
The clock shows 2:57
